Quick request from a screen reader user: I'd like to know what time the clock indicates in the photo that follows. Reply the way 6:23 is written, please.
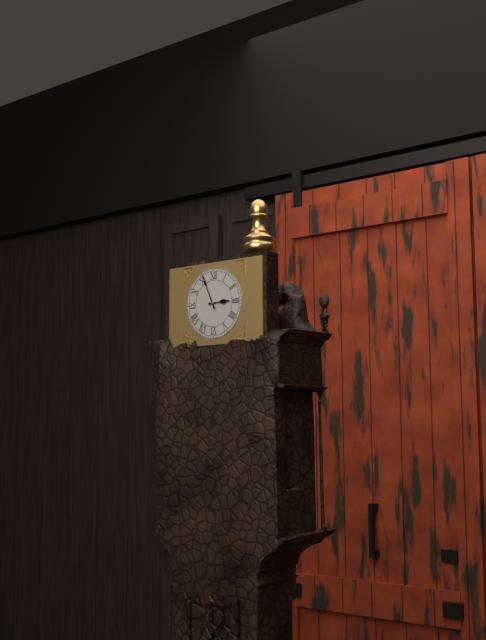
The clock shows 2:56
